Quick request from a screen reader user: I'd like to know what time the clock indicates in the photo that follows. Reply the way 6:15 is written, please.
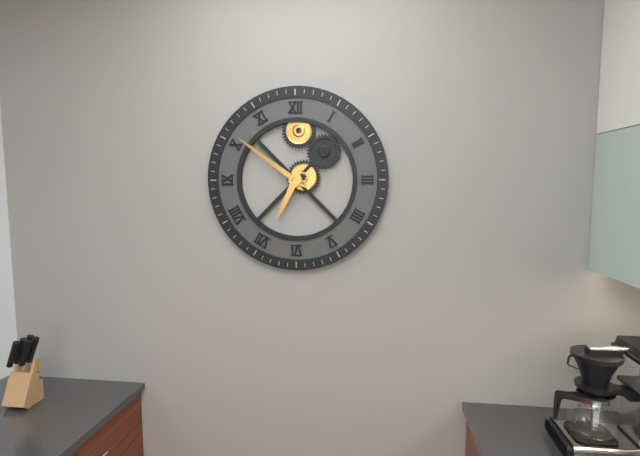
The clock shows 6:51
